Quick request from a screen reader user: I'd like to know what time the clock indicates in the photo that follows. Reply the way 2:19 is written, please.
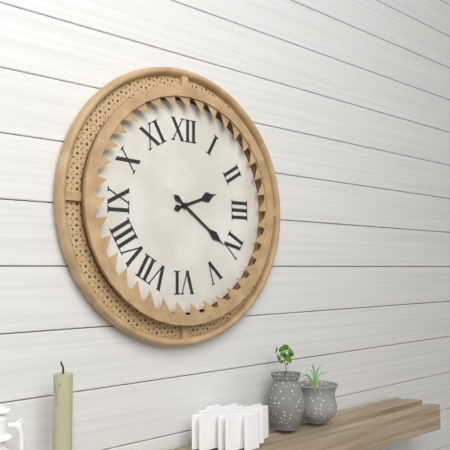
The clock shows 2:21
